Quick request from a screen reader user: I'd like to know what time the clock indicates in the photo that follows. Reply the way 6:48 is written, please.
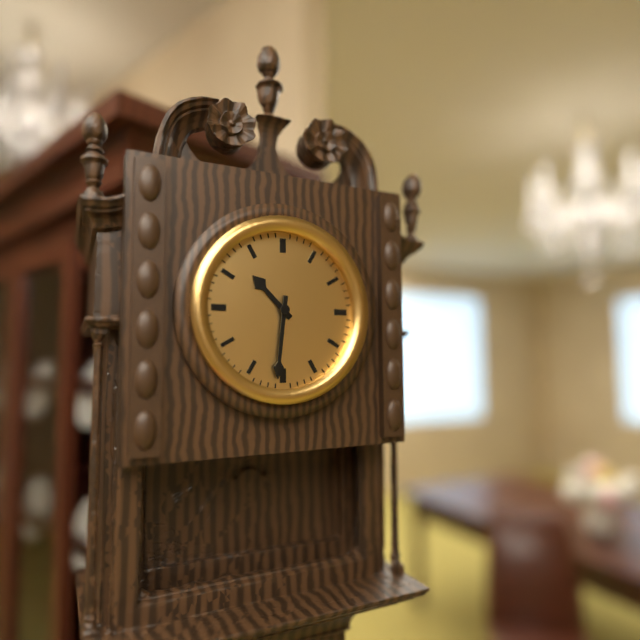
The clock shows 10:31
